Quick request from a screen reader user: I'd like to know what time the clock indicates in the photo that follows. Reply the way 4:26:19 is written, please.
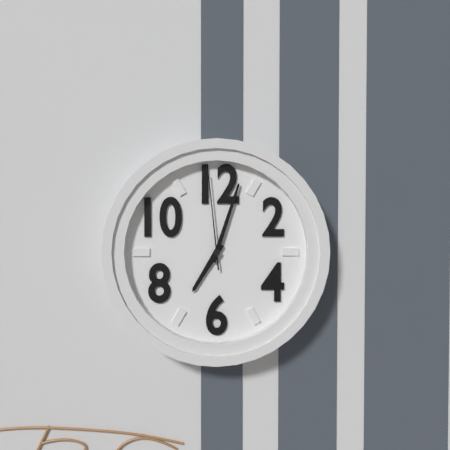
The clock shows 7:03:59
